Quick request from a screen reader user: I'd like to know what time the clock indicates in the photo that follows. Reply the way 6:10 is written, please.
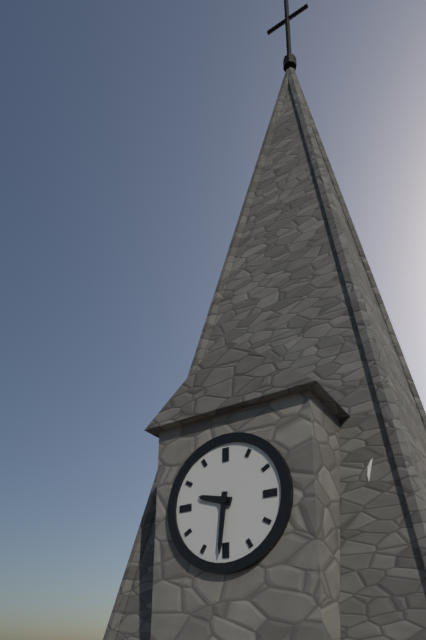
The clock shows 9:31
